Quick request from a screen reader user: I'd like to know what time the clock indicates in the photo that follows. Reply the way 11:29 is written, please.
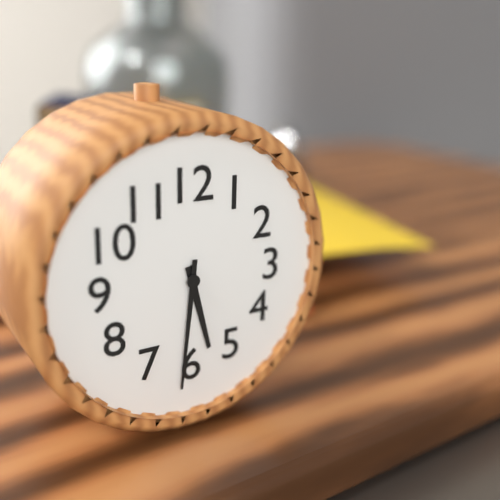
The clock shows 5:31
